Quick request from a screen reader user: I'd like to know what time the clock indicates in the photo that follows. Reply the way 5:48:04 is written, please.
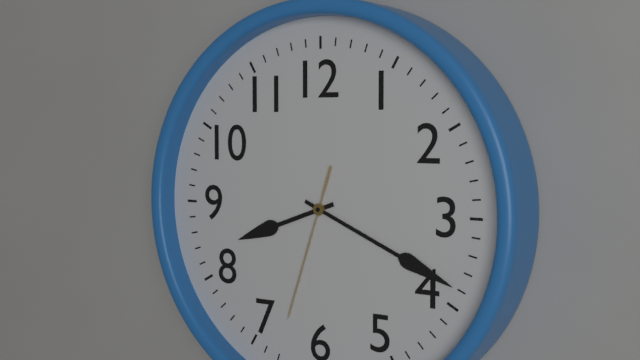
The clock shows 8:19:33
